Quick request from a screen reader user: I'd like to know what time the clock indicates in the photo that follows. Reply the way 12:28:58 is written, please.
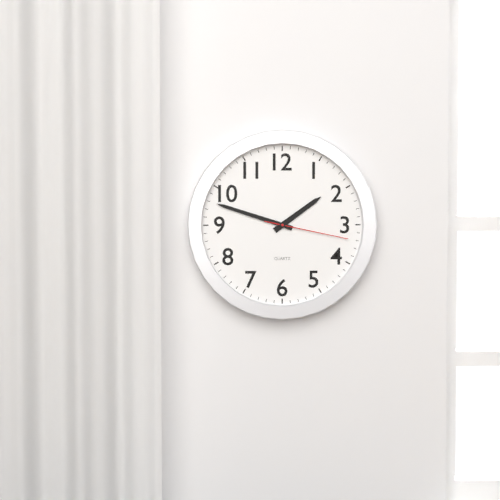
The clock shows 1:48:17
